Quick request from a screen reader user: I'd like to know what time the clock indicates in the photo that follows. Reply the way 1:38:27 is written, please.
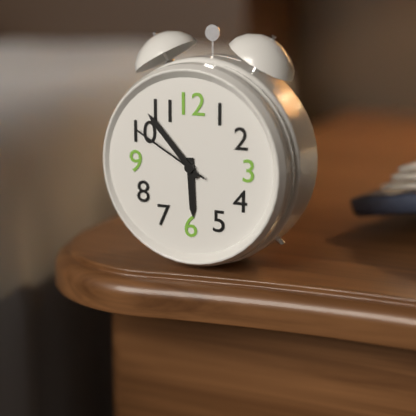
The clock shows 5:53:50
